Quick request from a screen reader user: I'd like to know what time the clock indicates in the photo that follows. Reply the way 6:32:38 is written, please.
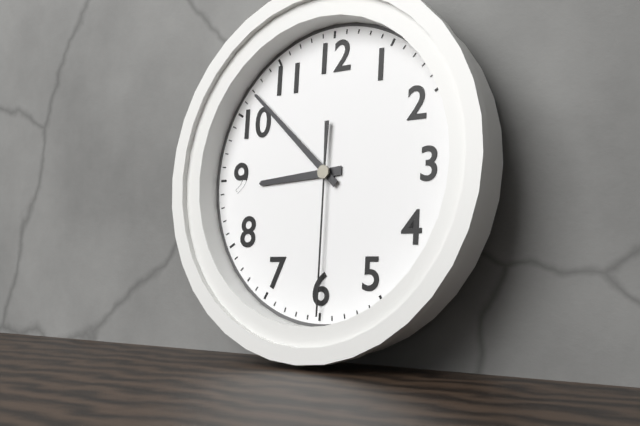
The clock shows 8:52:30
